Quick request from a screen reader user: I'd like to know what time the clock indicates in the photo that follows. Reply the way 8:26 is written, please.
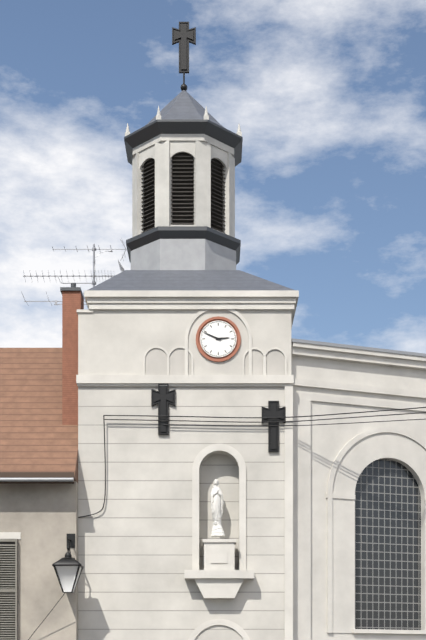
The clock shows 2:49
